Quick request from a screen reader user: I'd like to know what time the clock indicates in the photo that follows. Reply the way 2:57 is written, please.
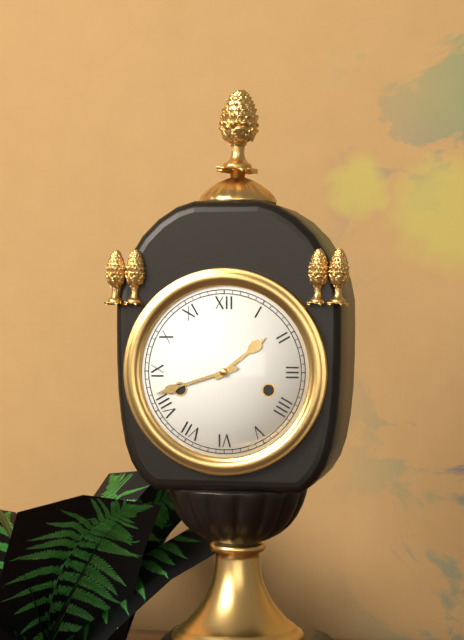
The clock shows 1:42
